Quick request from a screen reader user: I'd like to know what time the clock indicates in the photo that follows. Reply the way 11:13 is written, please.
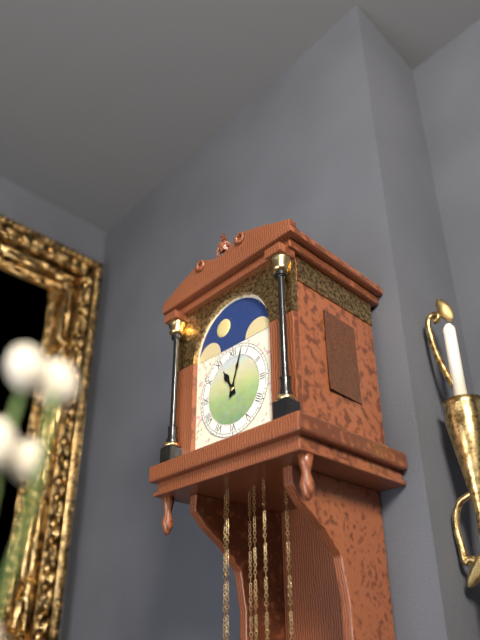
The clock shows 11:03
